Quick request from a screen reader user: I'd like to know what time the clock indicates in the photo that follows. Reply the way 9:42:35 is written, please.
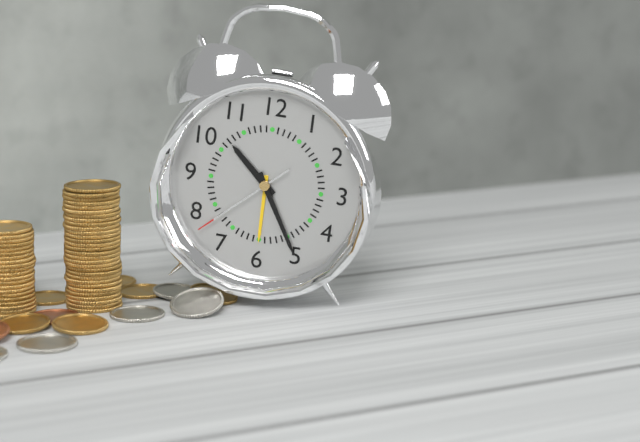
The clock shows 10:25:38
